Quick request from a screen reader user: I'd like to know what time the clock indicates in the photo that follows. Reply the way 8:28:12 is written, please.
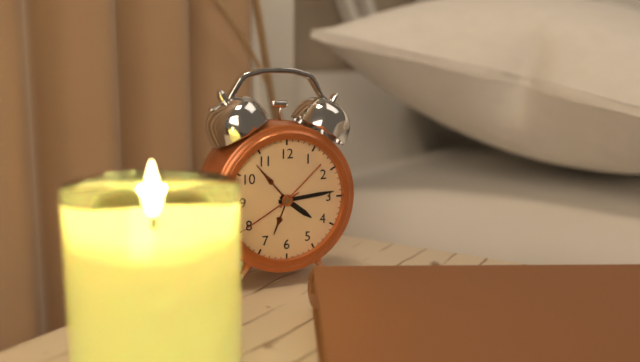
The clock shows 4:14:40
